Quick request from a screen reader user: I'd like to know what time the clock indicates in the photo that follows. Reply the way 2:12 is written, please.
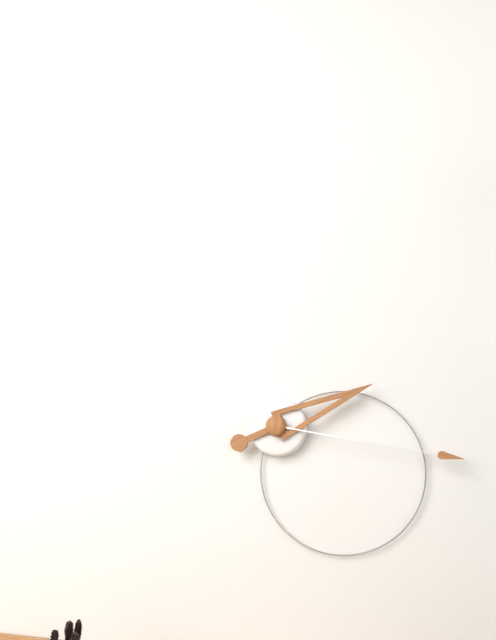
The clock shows 2:17
